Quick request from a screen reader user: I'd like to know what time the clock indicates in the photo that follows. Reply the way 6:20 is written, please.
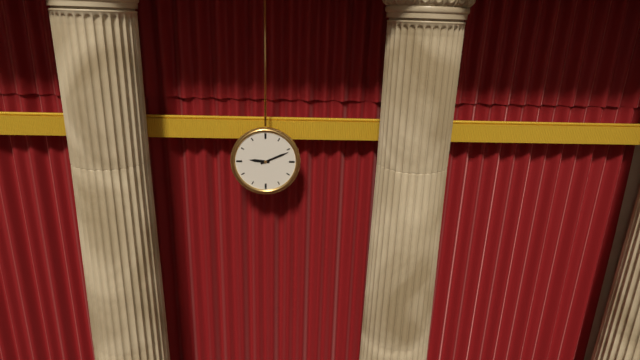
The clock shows 9:11
